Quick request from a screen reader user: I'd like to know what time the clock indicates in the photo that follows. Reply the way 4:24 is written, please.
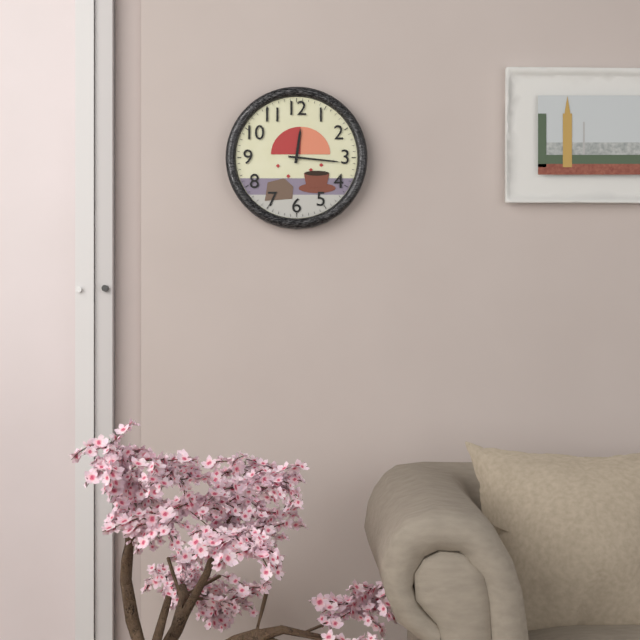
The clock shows 12:16
